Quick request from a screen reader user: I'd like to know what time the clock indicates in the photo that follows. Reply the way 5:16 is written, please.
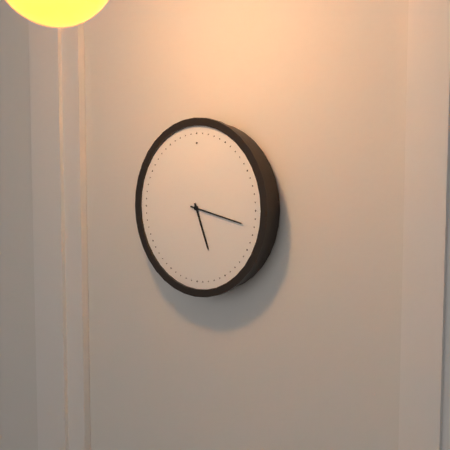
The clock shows 5:17
